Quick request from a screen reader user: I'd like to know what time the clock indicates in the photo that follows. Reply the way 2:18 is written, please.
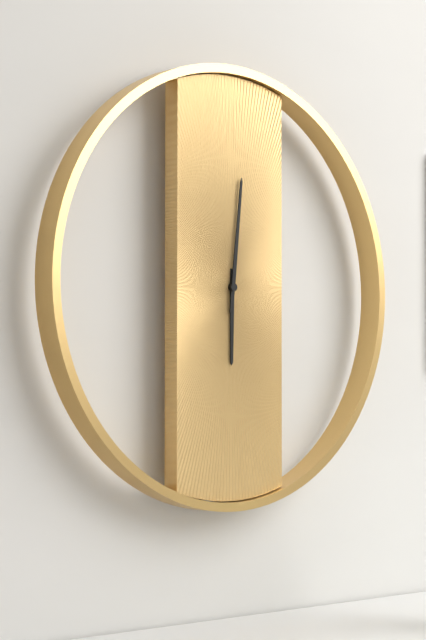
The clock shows 6:01
